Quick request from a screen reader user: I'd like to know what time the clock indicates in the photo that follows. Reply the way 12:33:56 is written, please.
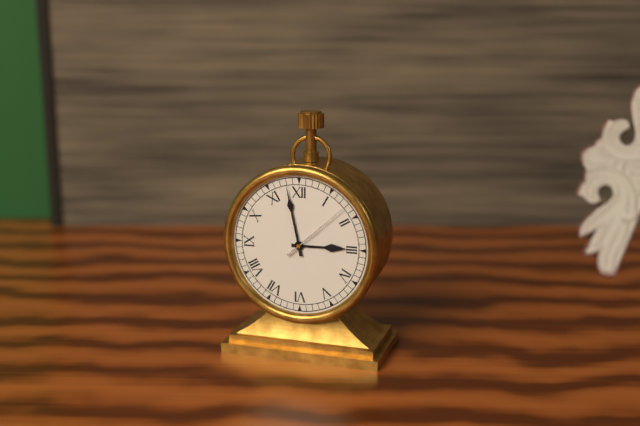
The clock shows 2:58:08
